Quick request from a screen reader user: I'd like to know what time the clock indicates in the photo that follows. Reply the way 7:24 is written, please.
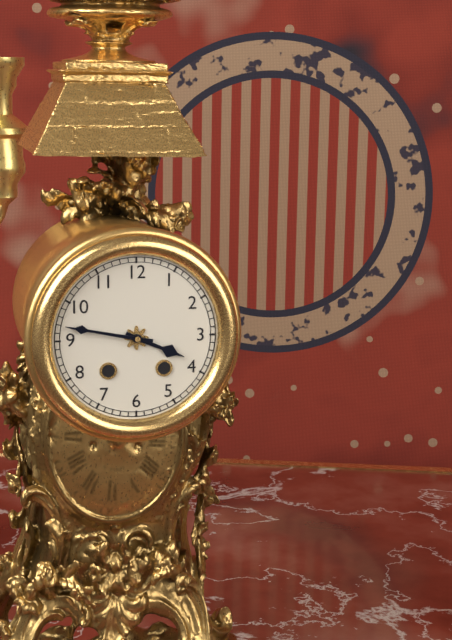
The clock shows 3:47
